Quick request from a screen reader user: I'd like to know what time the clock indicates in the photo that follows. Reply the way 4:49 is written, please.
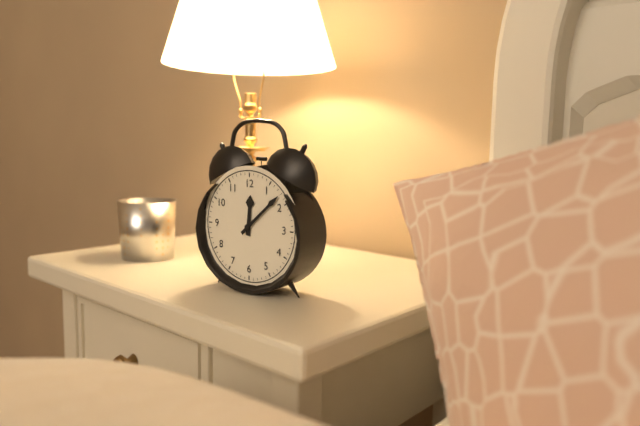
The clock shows 12:08
